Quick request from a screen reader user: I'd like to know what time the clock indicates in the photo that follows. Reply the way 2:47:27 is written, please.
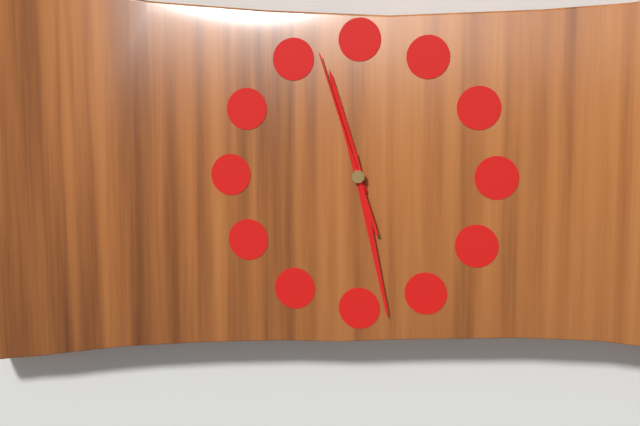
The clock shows 11:28:57
